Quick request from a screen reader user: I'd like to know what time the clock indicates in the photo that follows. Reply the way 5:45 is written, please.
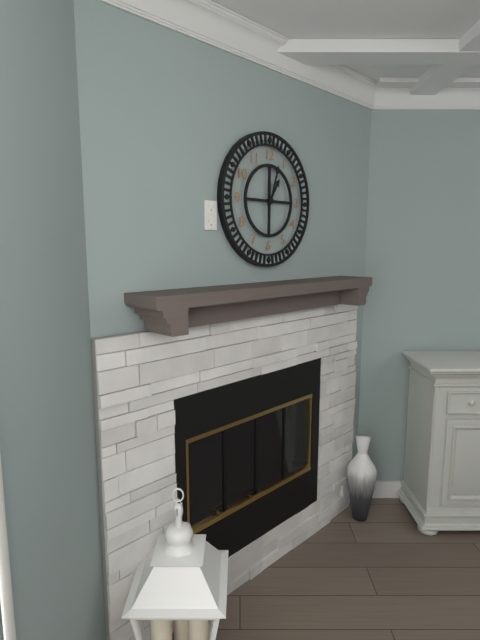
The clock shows 1:03
